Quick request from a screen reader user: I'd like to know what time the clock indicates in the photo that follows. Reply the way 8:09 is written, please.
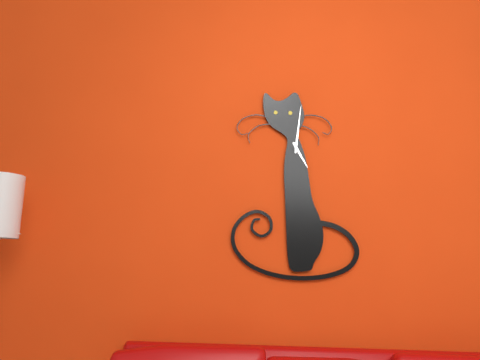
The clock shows 5:01
